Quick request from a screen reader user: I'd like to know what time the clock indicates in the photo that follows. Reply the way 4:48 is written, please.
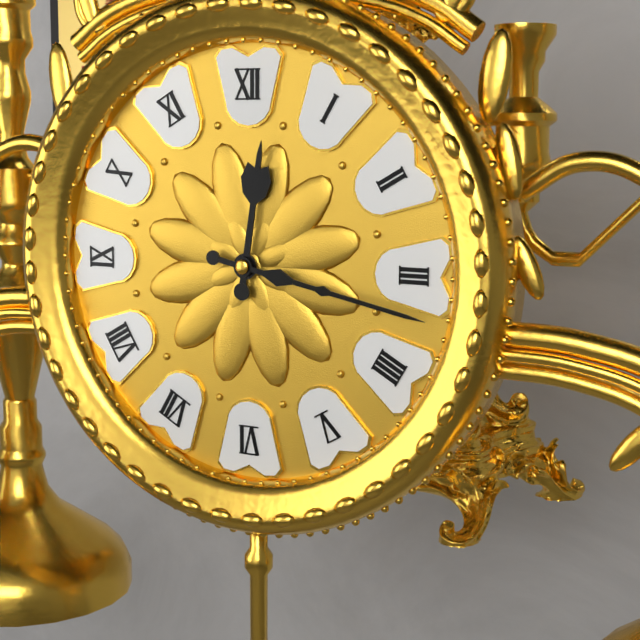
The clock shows 12:17
